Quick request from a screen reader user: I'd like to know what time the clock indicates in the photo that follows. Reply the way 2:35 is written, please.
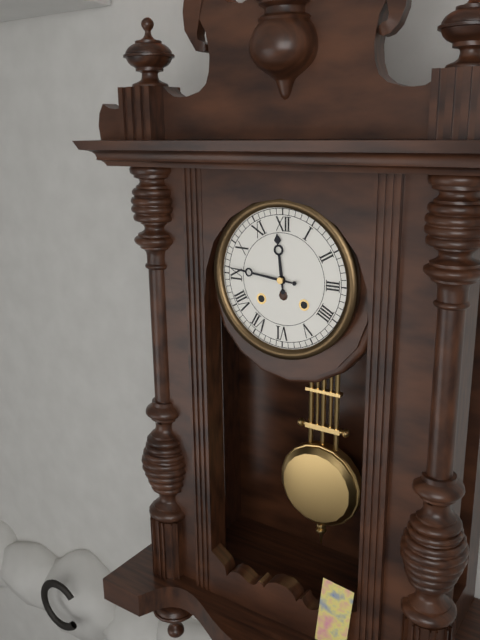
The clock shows 11:46
